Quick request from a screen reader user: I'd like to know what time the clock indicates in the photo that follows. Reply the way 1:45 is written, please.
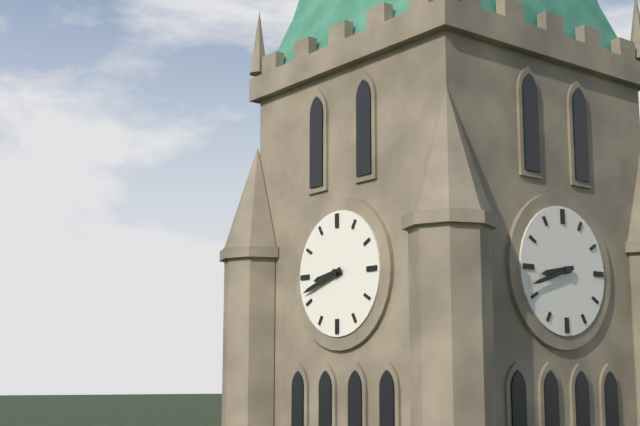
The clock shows 8:42
